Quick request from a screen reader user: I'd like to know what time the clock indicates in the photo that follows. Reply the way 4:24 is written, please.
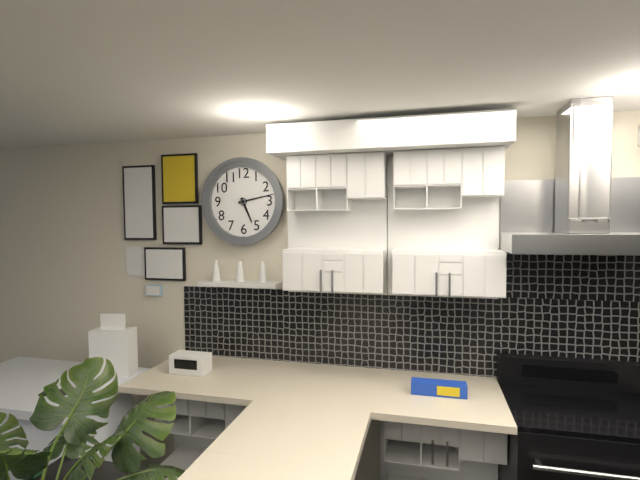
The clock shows 5:13
